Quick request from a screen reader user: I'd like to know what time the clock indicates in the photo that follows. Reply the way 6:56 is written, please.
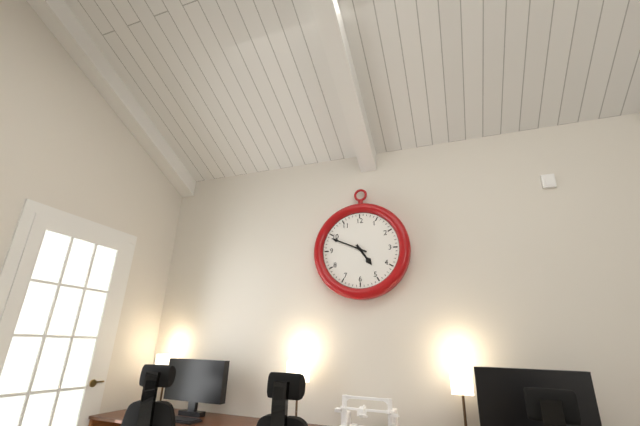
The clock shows 4:49
